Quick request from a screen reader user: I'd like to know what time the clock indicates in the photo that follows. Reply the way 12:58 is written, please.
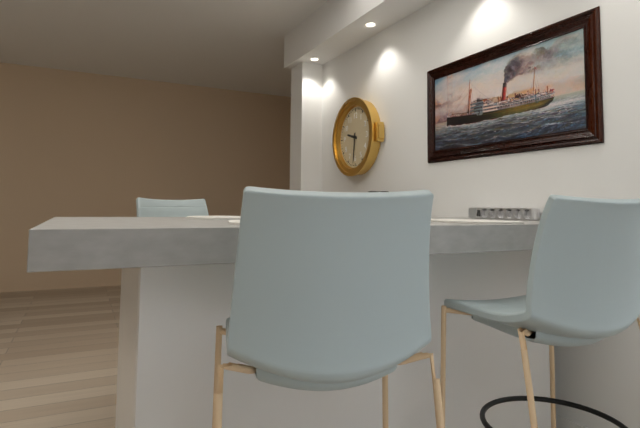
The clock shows 9:31
